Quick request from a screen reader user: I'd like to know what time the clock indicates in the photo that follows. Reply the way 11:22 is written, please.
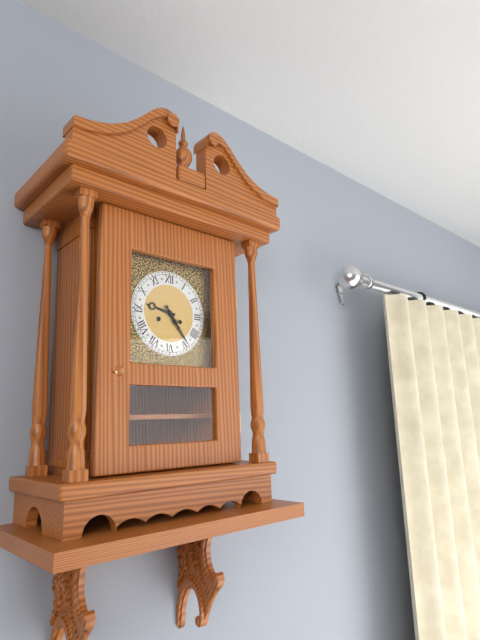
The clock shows 9:24
